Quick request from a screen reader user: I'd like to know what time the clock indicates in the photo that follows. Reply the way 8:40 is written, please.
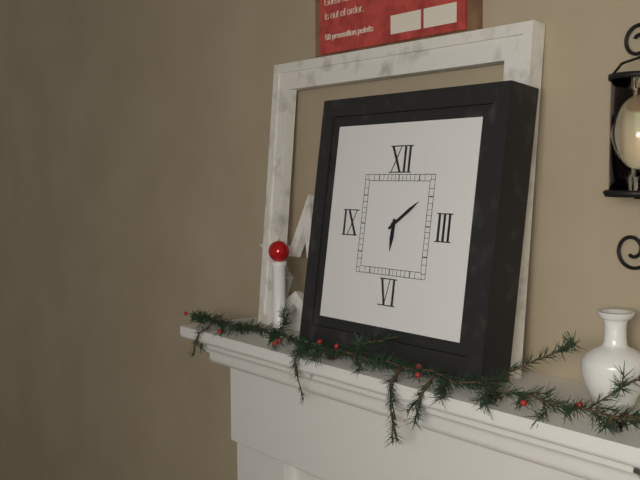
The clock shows 6:09
